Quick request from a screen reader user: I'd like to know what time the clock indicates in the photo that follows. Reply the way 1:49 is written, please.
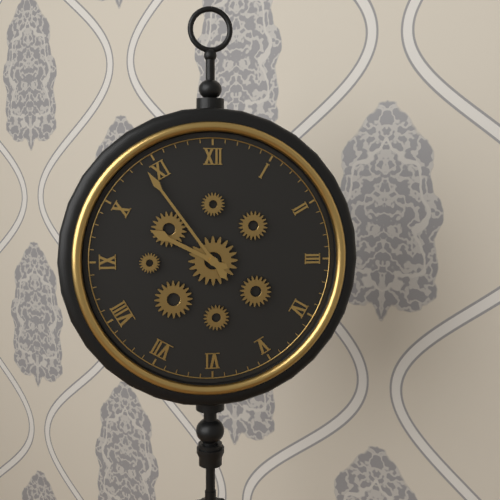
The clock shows 9:54
